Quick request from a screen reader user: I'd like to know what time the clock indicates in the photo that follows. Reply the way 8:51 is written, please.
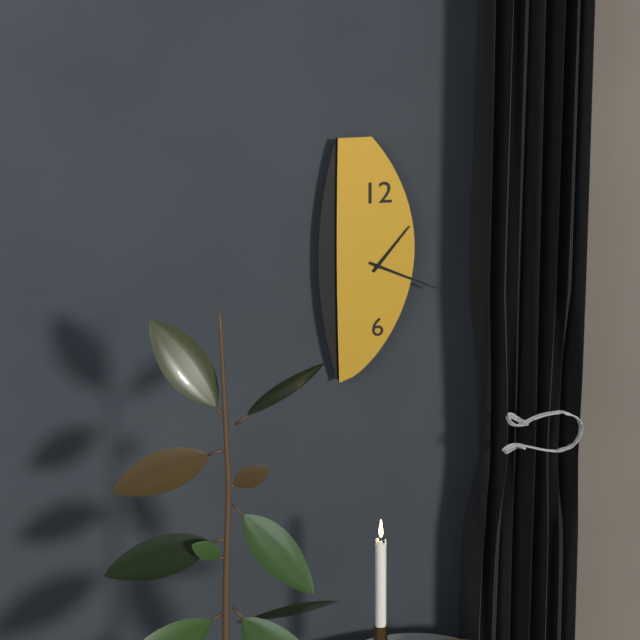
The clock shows 1:19
